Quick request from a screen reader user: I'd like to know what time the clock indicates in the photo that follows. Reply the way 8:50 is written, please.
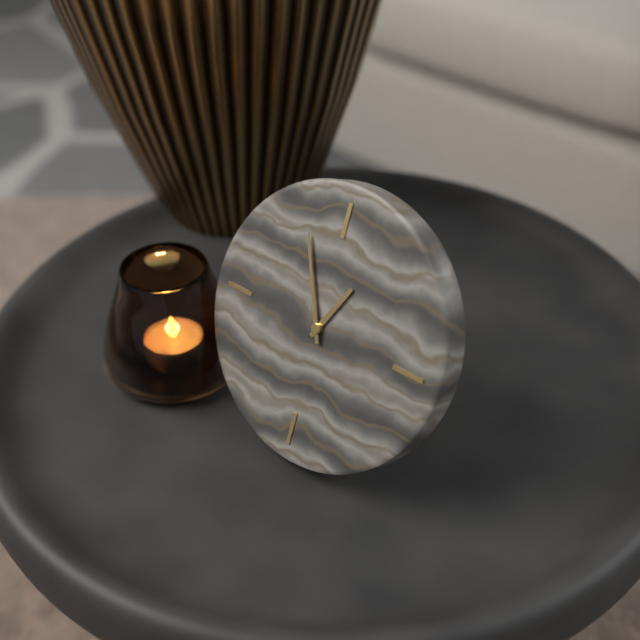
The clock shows 12:56
